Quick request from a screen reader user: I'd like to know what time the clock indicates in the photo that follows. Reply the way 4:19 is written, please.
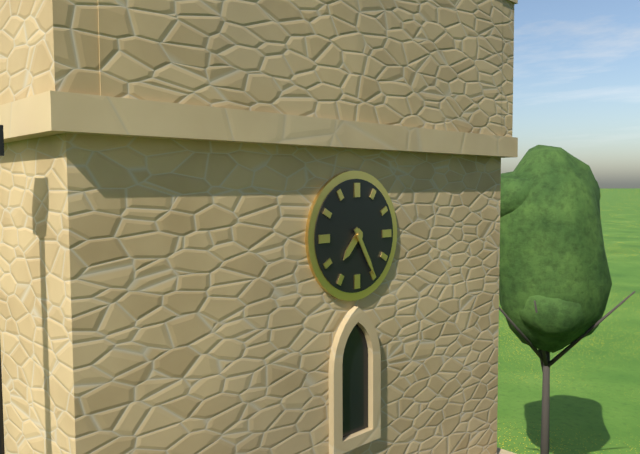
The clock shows 7:25
